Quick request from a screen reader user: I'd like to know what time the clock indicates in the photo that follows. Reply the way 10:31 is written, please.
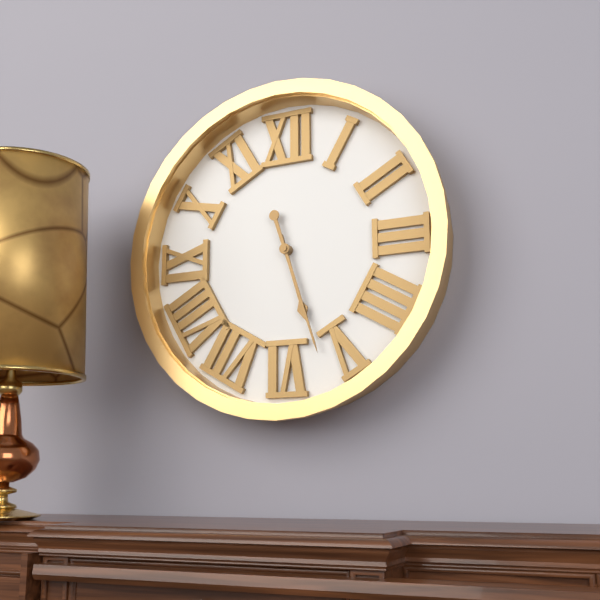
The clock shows 5:27
